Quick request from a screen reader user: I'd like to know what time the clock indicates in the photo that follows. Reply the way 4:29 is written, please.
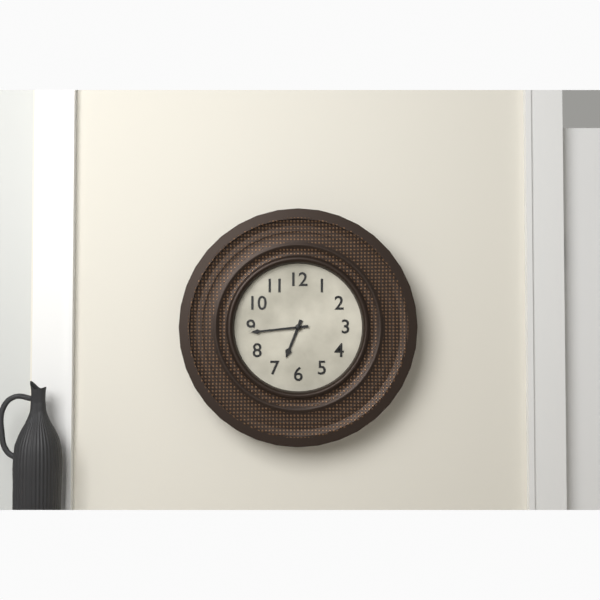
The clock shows 6:44
